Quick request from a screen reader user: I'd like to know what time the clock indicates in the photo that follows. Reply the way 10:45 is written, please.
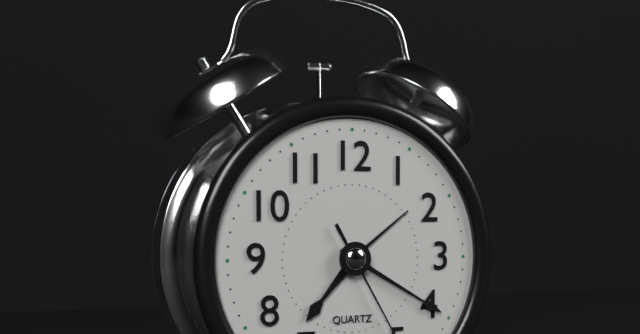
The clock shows 7:20
